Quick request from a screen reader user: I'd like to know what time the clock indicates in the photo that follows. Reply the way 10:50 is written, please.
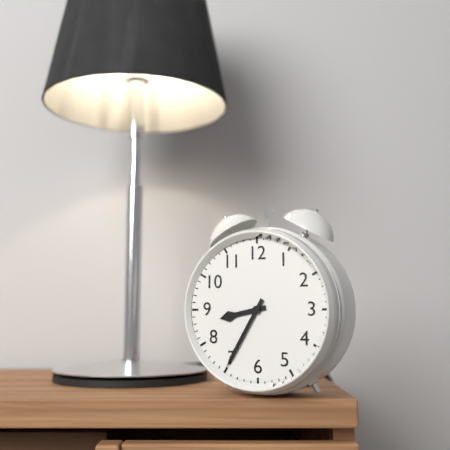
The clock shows 8:35
